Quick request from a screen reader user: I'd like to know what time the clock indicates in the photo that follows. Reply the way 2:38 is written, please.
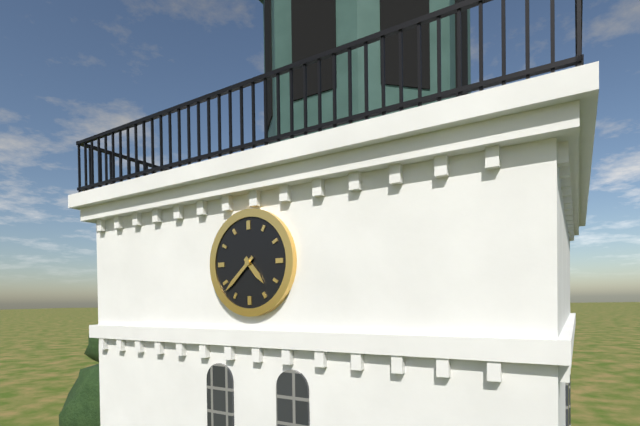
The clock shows 4:38
